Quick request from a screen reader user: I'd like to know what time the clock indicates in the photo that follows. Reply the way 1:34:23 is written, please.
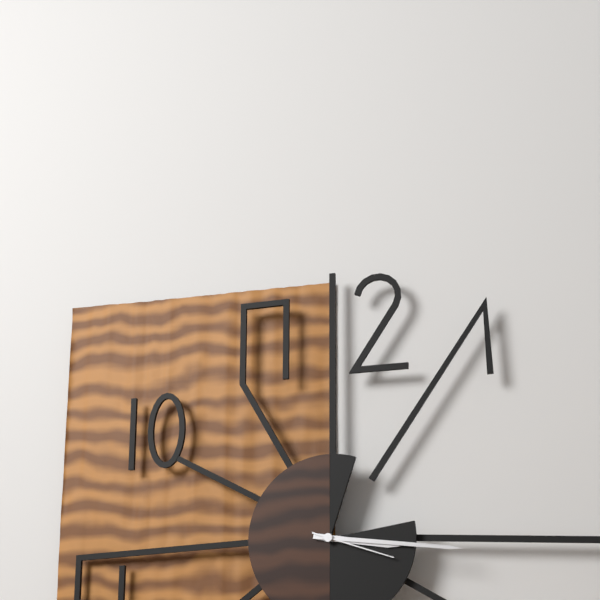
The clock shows 3:16:18
